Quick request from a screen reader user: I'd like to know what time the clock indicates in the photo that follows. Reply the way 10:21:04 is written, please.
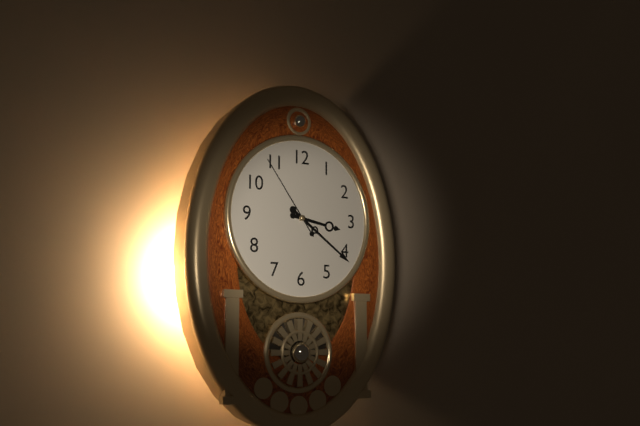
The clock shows 3:21:54
